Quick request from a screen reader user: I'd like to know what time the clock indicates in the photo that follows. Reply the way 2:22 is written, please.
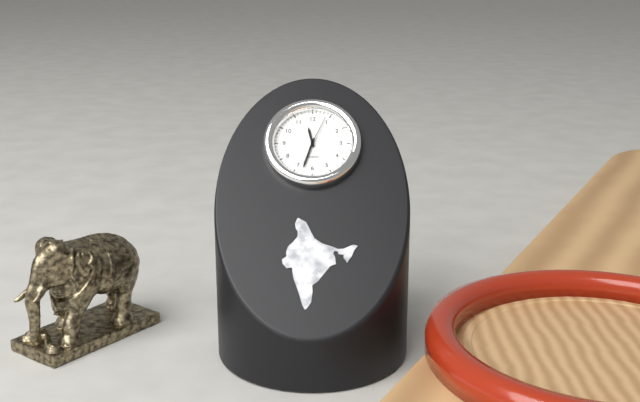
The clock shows 11:33
